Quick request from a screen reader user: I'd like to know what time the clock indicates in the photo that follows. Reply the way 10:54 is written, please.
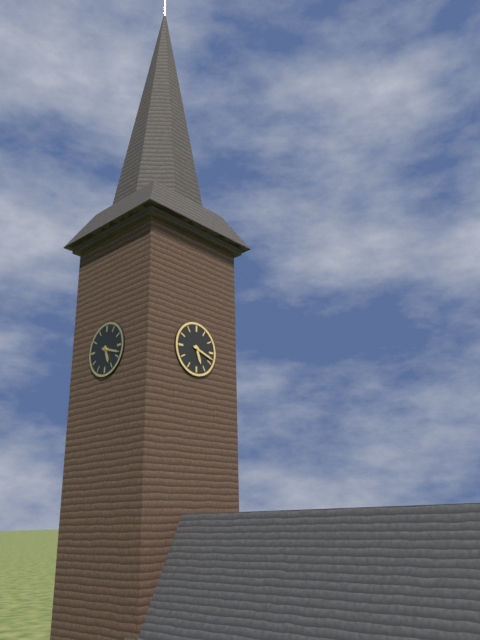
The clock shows 5:18
